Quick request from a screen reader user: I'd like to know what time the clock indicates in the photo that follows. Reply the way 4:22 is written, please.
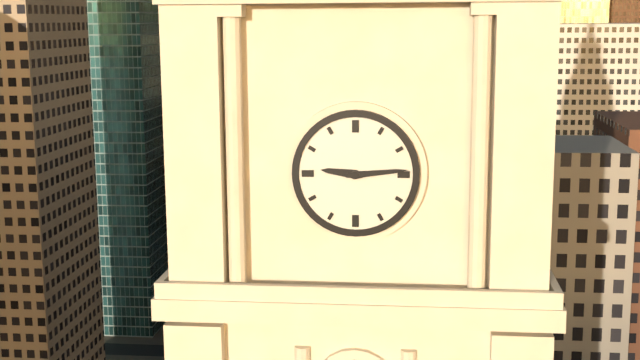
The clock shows 9:14
